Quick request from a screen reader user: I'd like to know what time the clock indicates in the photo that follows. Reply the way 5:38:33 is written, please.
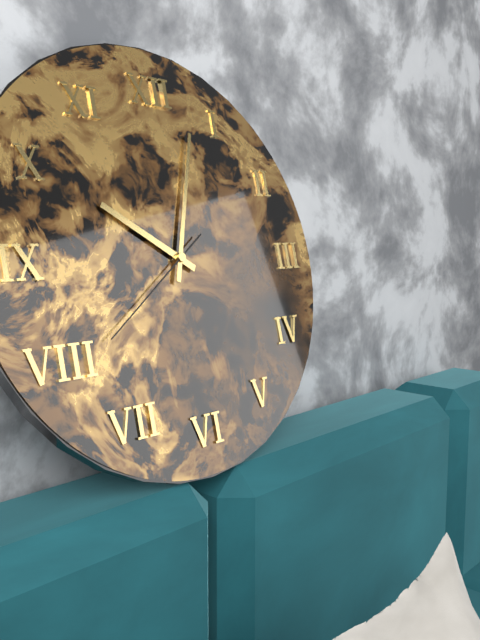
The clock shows 10:03:39
